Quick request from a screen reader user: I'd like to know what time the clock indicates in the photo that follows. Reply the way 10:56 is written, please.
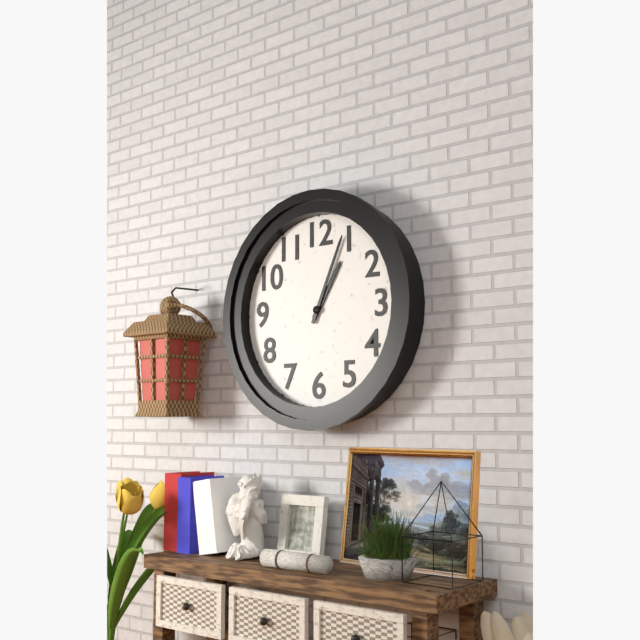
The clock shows 1:04
